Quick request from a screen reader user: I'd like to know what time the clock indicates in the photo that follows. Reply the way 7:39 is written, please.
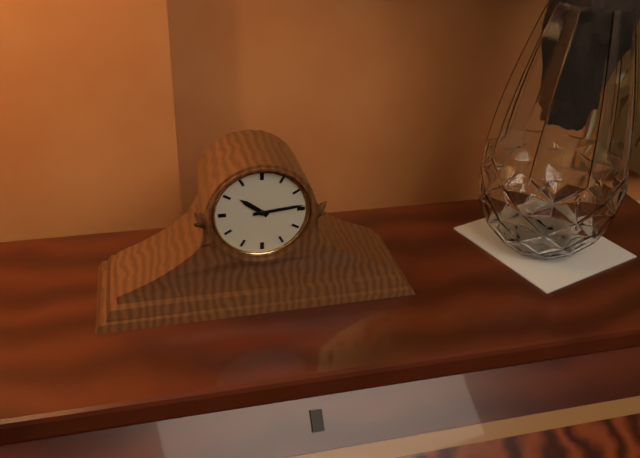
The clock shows 10:14
